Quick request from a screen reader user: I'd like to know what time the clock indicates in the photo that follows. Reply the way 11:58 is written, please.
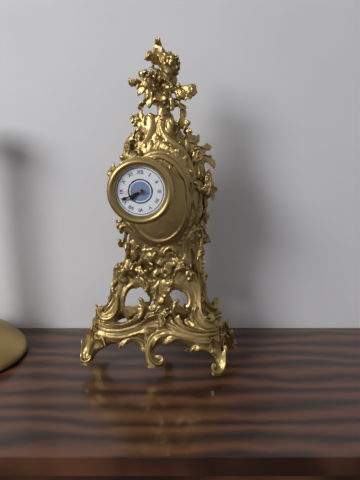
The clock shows 7:41
